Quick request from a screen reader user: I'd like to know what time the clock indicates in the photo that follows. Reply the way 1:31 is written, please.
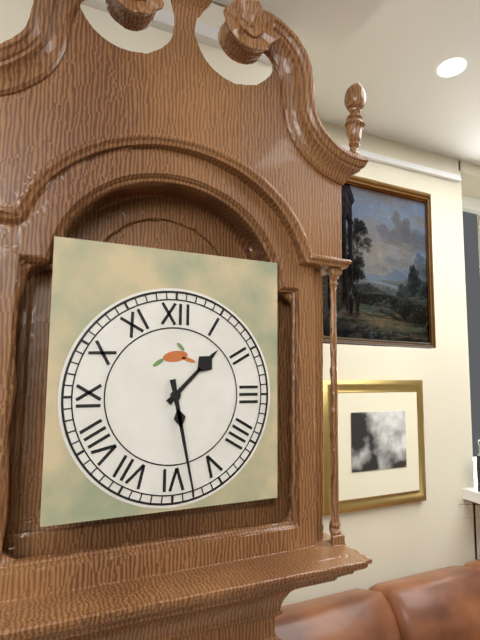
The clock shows 1:28
